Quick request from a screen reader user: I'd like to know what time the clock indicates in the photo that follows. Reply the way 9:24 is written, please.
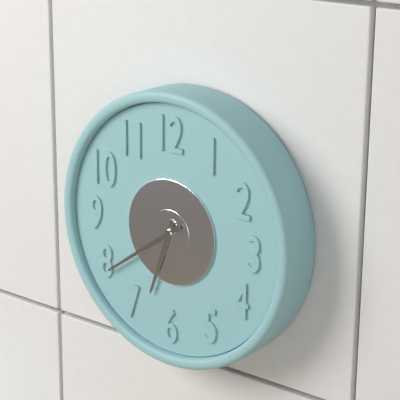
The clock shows 6:39
